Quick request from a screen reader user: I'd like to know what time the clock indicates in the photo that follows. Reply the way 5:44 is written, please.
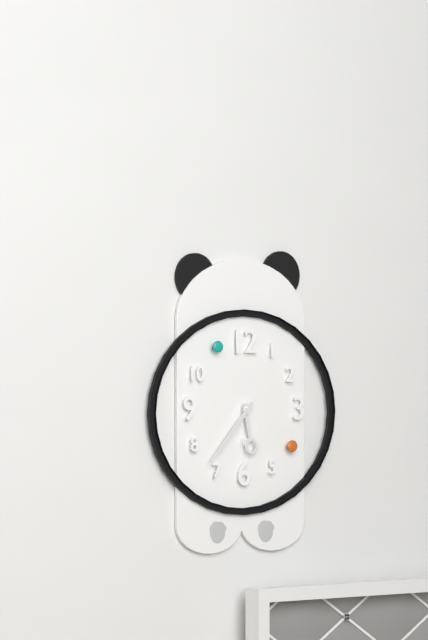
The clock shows 5:37
